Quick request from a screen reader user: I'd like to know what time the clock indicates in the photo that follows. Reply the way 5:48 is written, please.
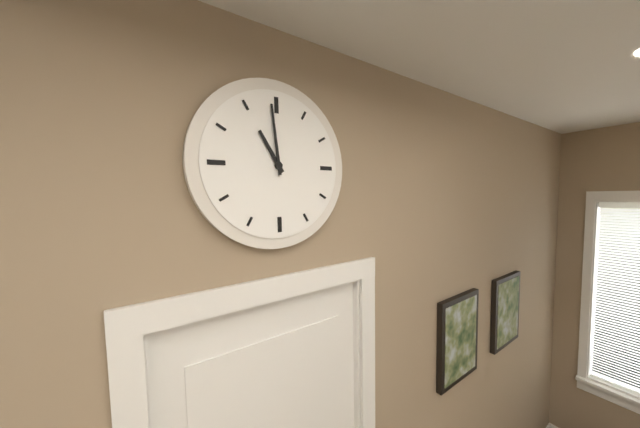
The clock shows 10:59
